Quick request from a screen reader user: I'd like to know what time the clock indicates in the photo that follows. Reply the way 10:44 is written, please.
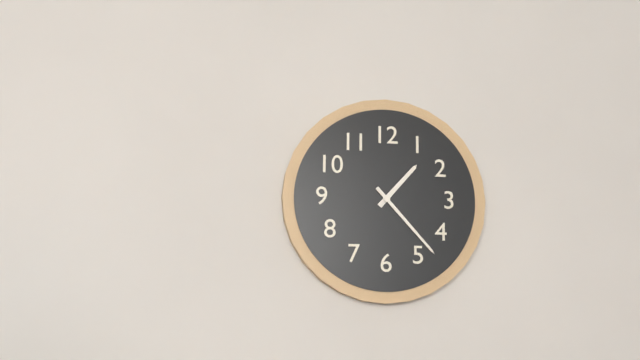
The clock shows 1:23
